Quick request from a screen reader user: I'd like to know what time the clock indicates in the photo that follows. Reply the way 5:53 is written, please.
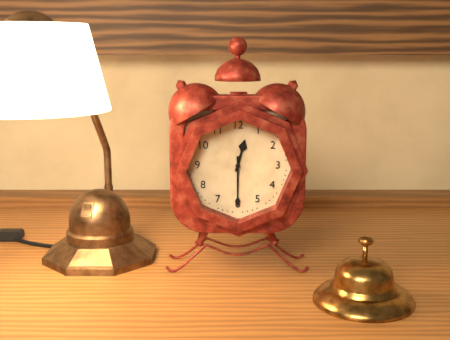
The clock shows 12:30
